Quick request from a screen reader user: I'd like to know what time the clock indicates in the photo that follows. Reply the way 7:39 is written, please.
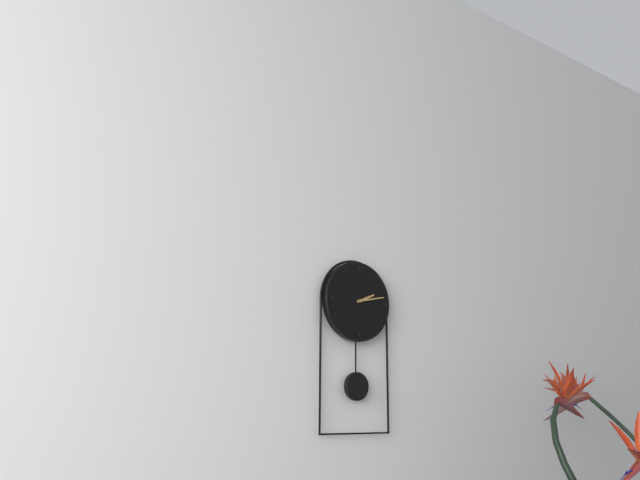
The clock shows 2:13
